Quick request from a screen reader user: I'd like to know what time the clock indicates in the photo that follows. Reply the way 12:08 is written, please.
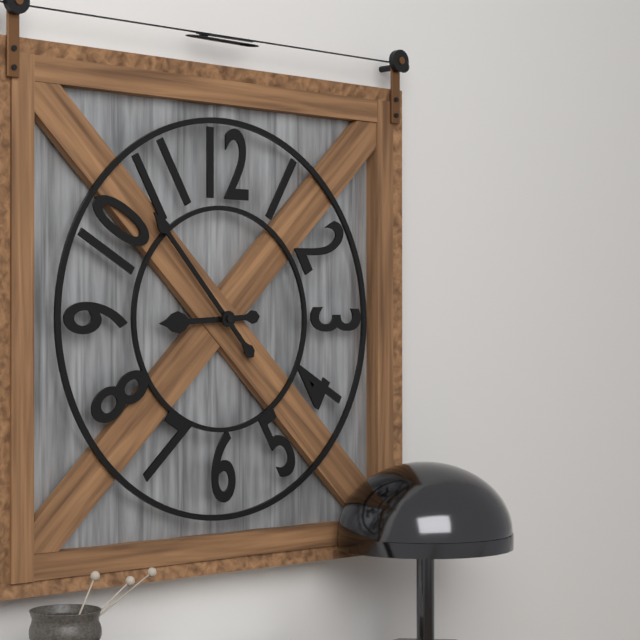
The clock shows 8:53
